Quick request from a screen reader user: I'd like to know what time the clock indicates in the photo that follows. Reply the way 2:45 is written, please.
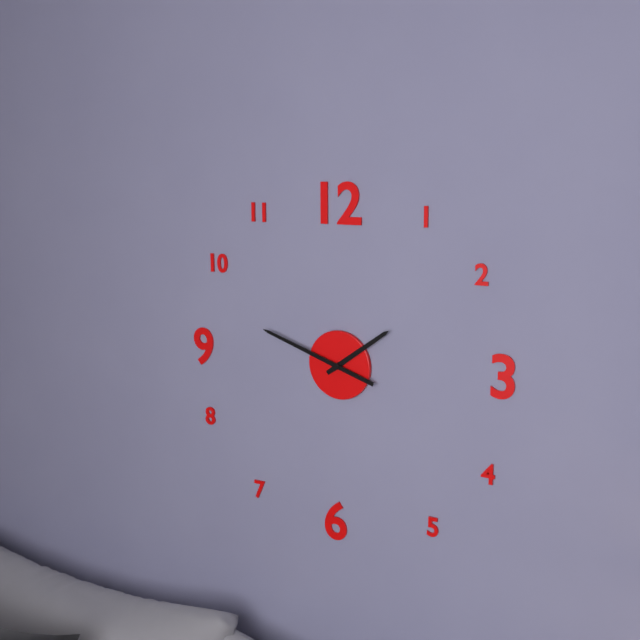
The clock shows 1:48
